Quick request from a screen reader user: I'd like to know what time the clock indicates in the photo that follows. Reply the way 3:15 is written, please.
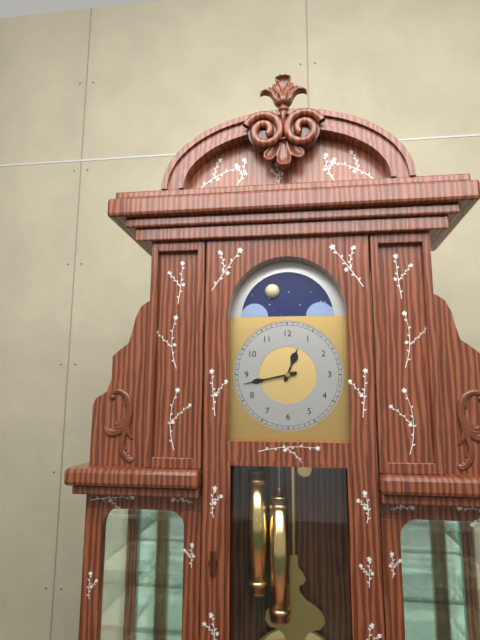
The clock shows 12:43
